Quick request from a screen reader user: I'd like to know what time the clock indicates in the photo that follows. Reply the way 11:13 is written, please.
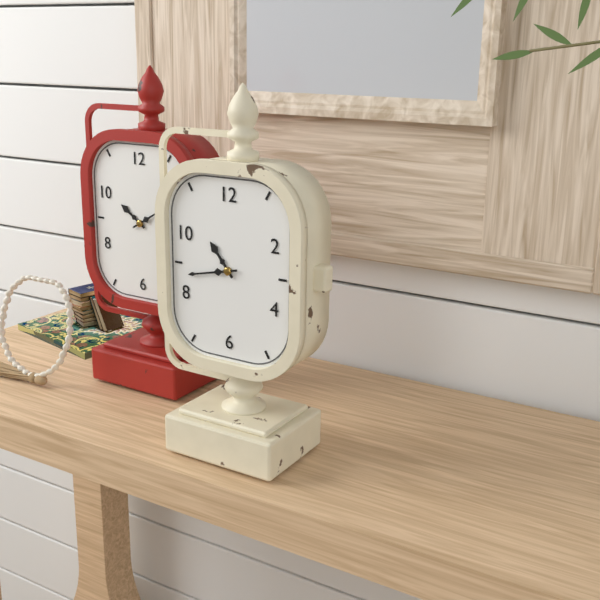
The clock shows 10:43
